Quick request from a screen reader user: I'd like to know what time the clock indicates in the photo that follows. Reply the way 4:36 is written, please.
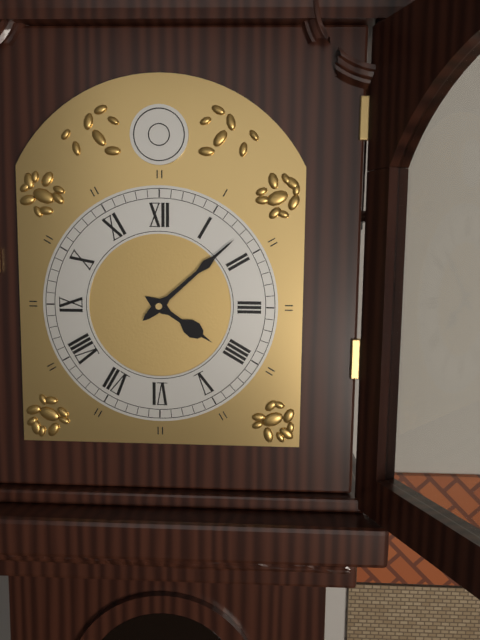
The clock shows 4:08
